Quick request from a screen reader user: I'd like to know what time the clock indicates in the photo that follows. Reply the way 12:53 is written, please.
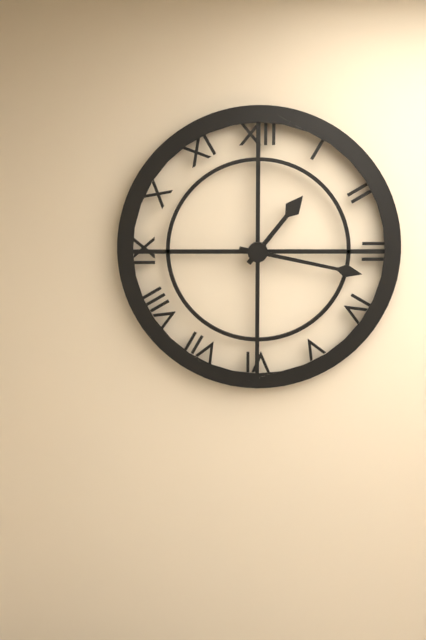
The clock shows 1:17
